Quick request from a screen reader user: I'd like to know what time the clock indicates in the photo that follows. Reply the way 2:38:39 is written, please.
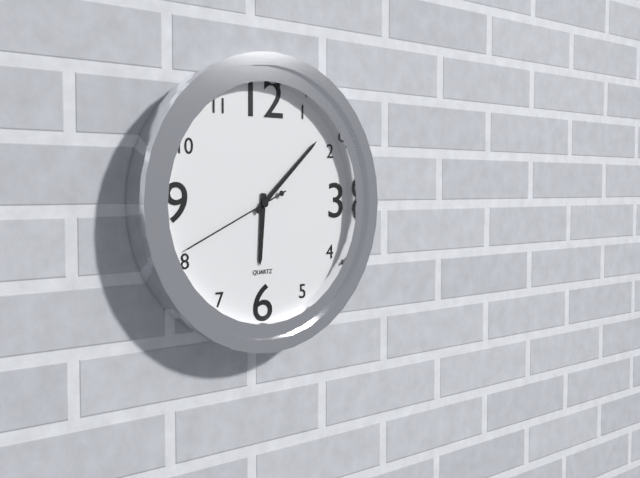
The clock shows 6:08:41
